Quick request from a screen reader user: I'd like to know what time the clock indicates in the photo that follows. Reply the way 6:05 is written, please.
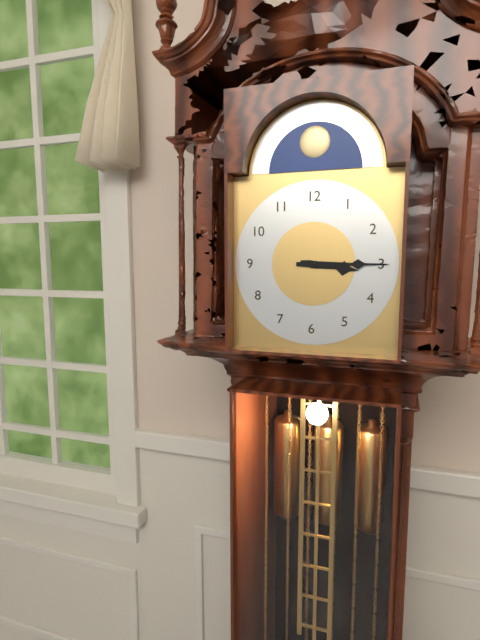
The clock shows 3:15
